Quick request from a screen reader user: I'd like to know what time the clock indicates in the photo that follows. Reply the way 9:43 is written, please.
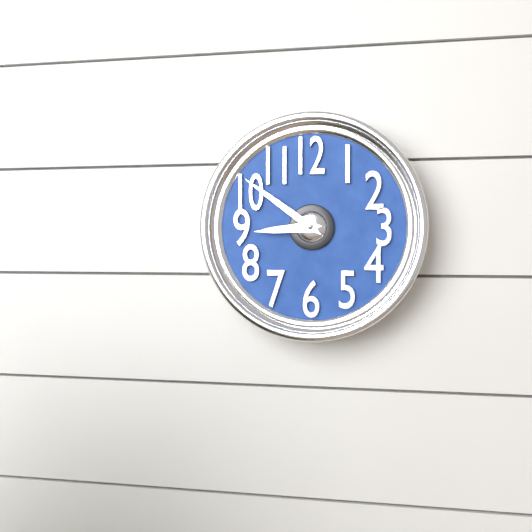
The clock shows 8:51
